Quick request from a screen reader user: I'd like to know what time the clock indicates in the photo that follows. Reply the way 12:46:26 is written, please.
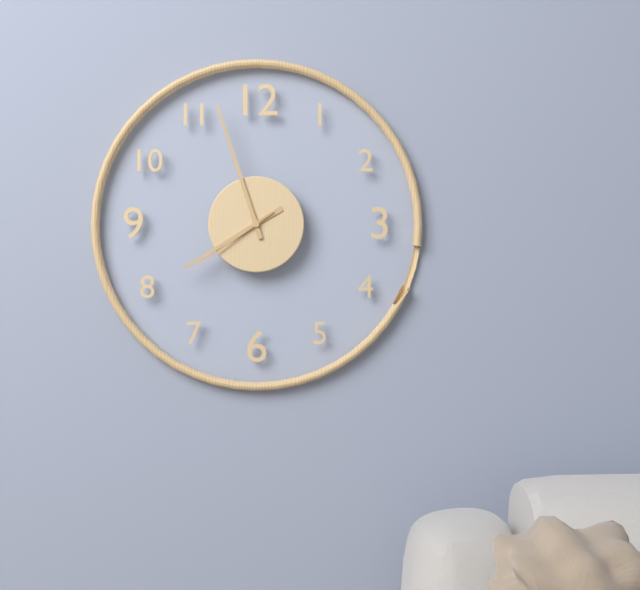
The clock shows 7:57:39
